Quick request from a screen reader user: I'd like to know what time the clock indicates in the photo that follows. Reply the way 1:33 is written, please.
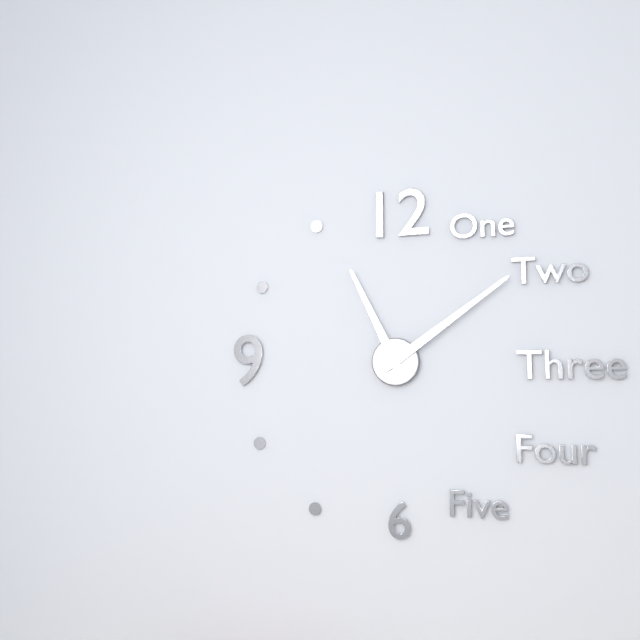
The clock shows 11:09
